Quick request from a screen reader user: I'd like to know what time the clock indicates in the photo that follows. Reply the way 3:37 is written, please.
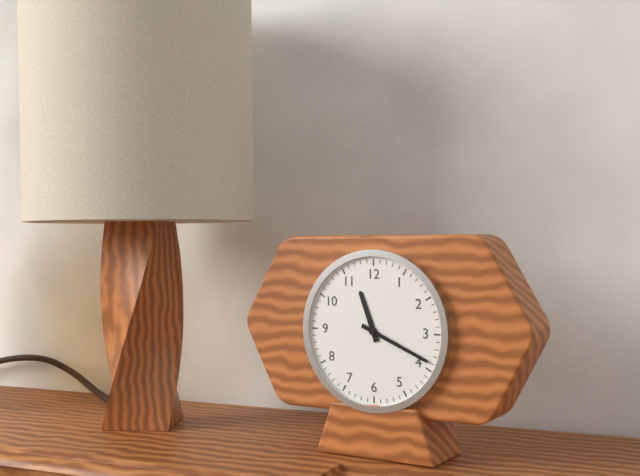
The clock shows 11:19
